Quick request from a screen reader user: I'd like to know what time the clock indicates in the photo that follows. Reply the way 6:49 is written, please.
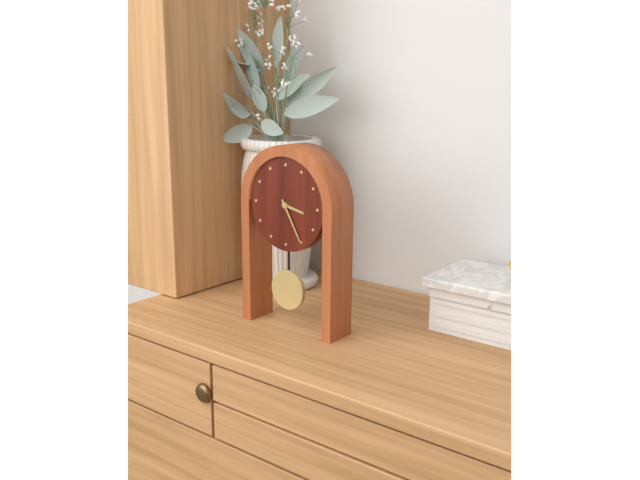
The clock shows 3:25
